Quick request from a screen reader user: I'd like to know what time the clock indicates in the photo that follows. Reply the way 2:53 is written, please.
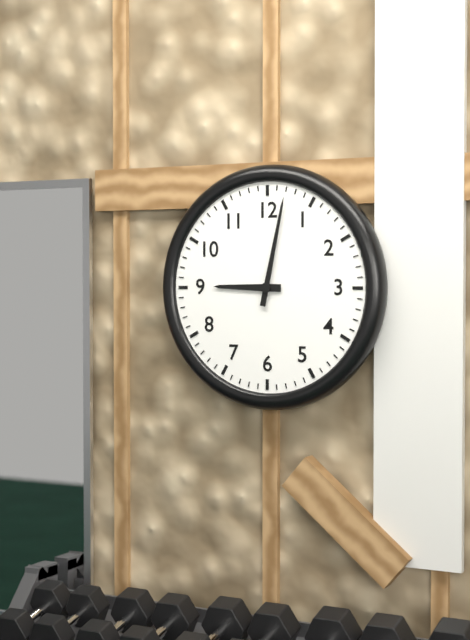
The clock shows 9:02
